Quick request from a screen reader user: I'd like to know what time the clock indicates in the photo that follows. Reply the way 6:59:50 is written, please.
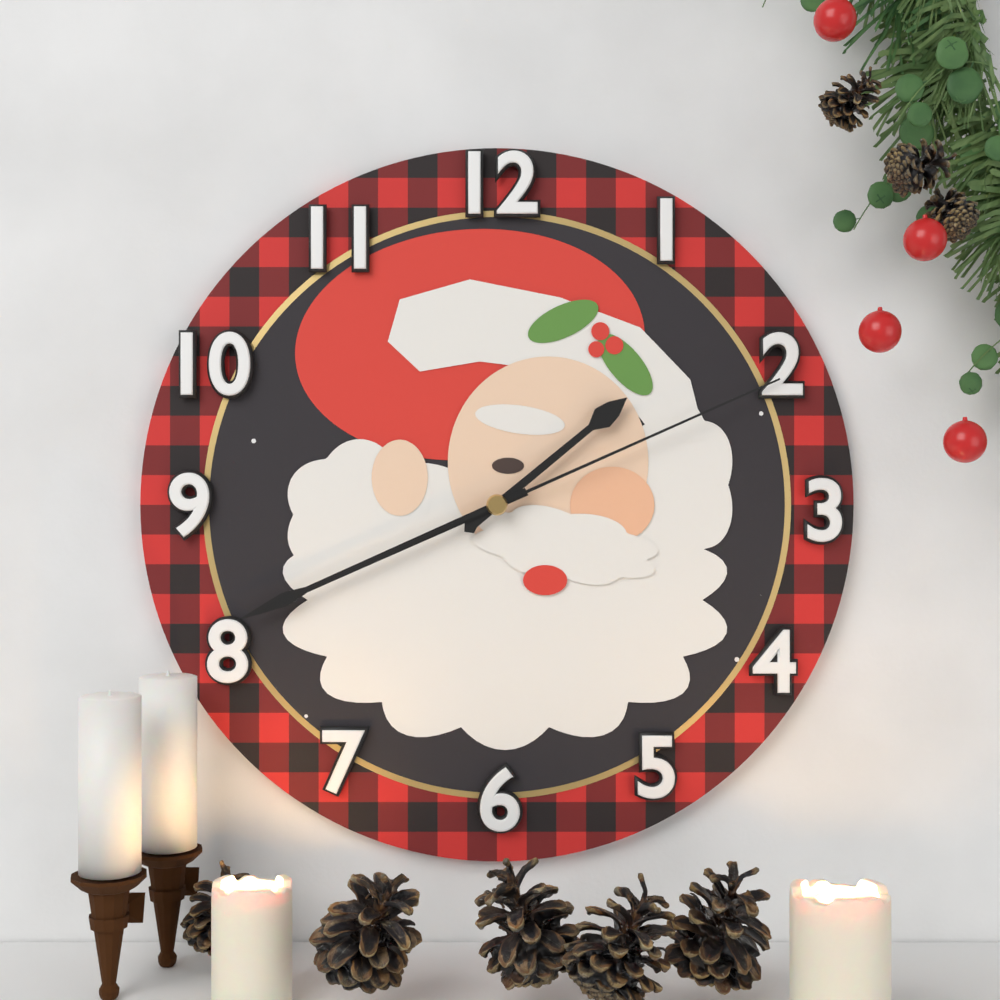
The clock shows 1:41:11
